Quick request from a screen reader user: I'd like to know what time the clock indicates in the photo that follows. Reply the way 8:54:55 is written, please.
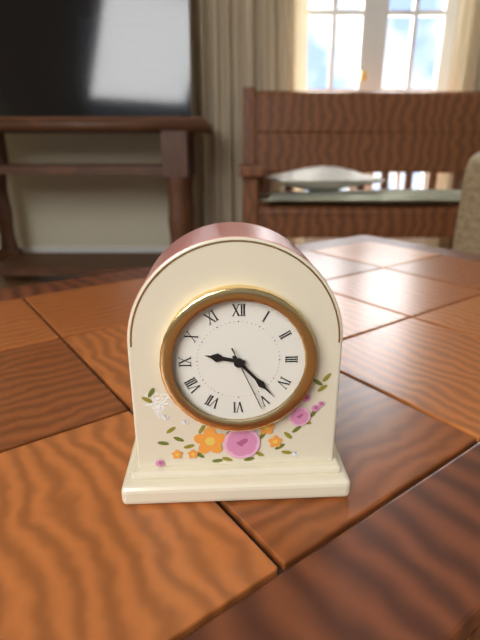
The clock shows 9:23:26
